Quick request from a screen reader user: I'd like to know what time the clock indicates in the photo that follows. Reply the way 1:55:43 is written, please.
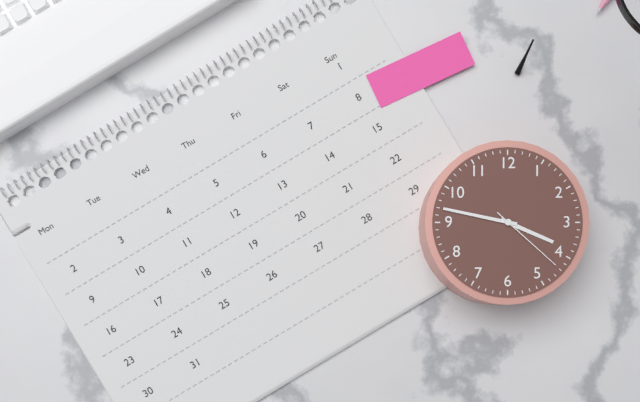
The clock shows 3:47:22
